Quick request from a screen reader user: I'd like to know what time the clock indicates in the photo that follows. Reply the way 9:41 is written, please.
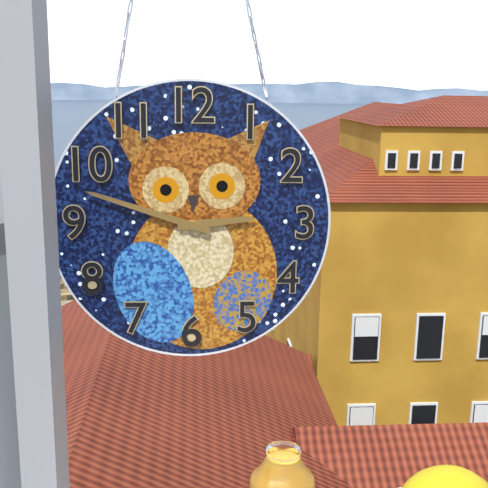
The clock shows 2:48
